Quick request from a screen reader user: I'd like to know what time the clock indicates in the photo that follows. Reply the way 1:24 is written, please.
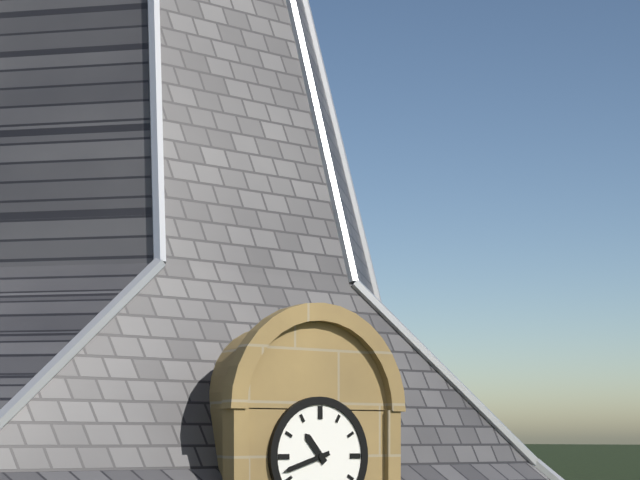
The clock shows 10:42
